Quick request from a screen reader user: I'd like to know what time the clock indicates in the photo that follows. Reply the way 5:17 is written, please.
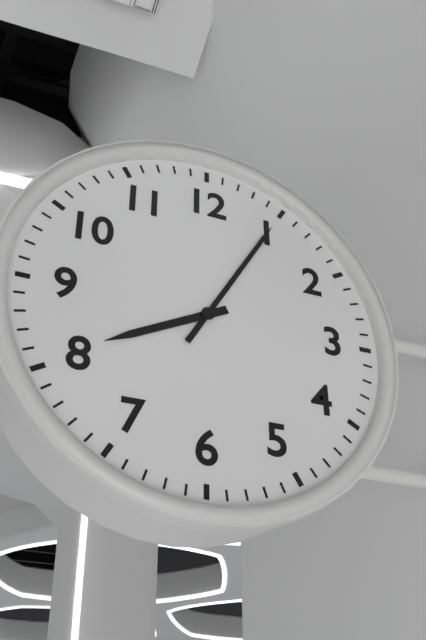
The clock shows 8:05
